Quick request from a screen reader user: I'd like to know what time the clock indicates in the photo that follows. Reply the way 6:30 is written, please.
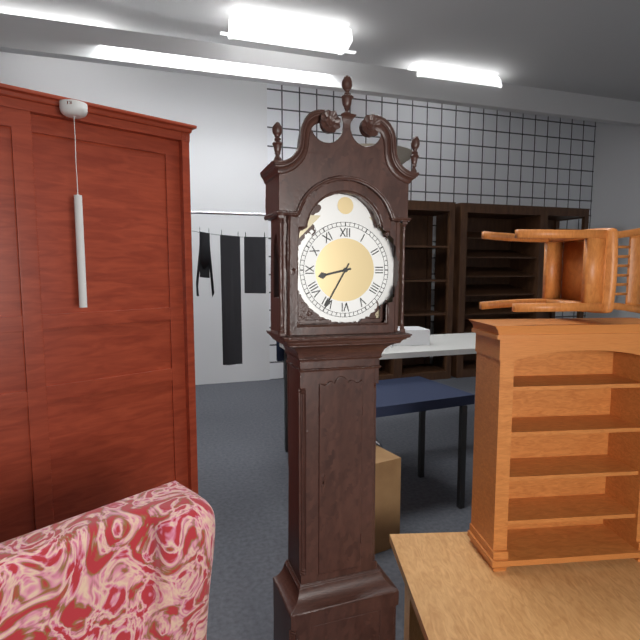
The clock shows 8:35
